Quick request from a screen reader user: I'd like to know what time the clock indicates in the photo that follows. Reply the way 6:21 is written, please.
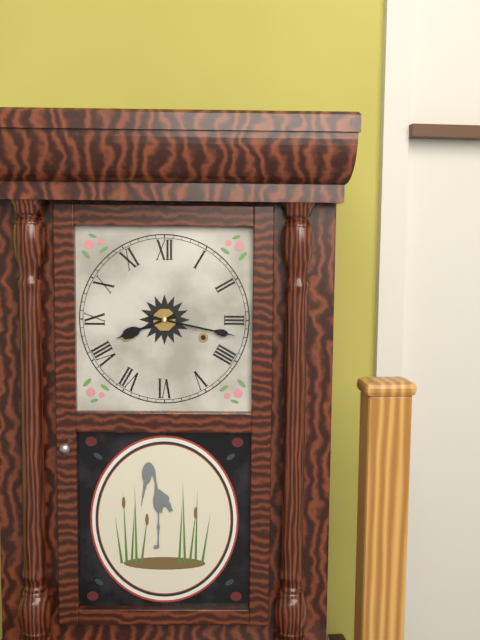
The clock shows 8:17
